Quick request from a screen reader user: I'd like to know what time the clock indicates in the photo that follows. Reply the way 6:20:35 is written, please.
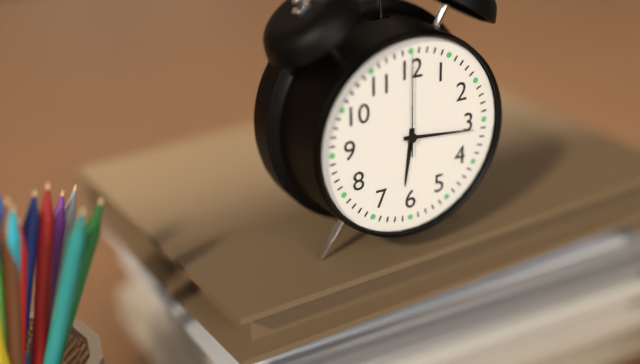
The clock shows 6:16:00
